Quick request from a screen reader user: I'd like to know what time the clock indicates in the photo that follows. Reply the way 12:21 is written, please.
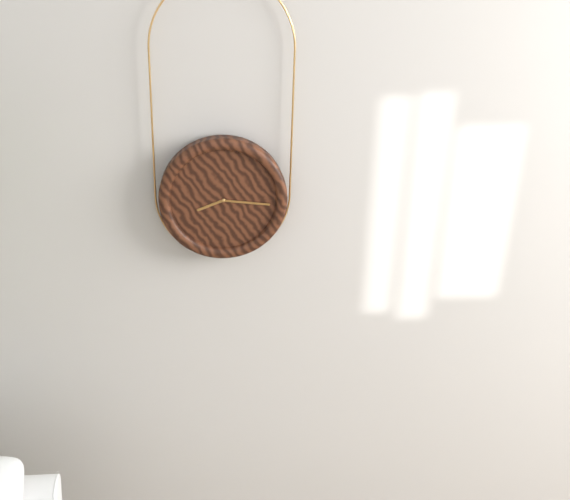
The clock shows 8:16
